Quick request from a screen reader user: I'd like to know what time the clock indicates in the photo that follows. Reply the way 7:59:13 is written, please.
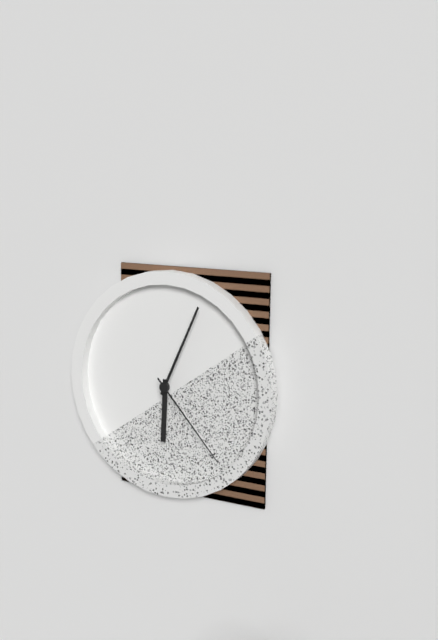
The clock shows 6:04:23
